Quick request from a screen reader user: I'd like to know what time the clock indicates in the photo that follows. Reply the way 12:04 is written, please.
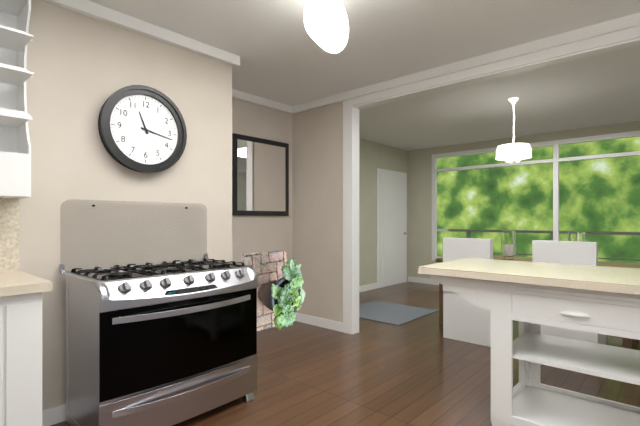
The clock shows 11:17
